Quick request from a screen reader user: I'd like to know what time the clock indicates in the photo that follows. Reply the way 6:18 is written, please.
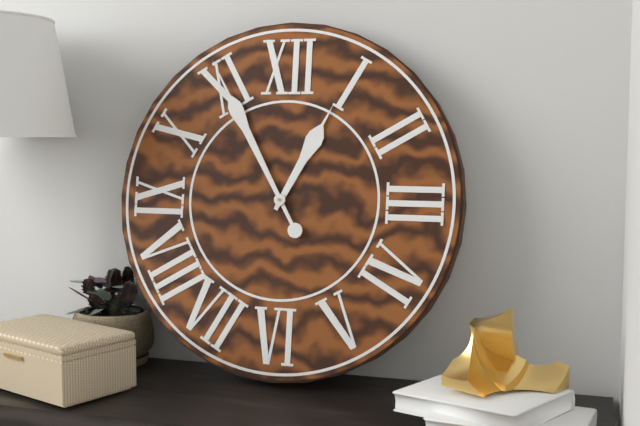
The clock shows 12:55
